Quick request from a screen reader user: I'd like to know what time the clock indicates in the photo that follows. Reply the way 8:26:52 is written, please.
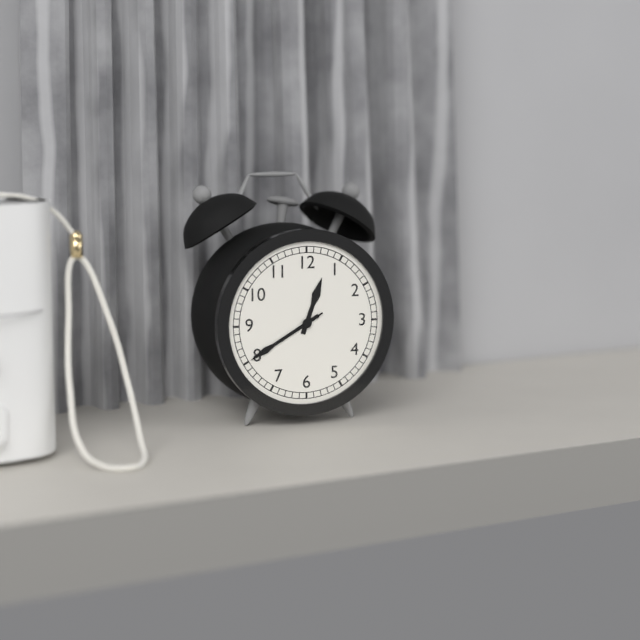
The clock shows 12:40:40
